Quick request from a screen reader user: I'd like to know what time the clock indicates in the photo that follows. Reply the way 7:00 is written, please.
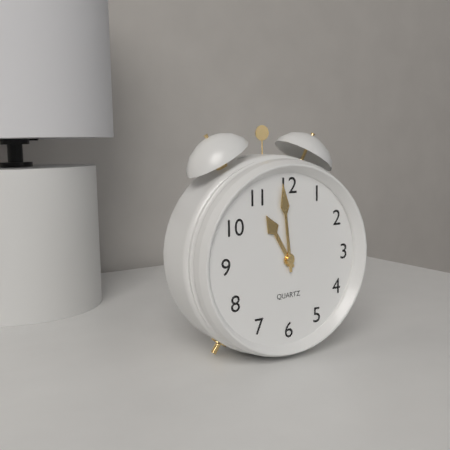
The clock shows 10:59
